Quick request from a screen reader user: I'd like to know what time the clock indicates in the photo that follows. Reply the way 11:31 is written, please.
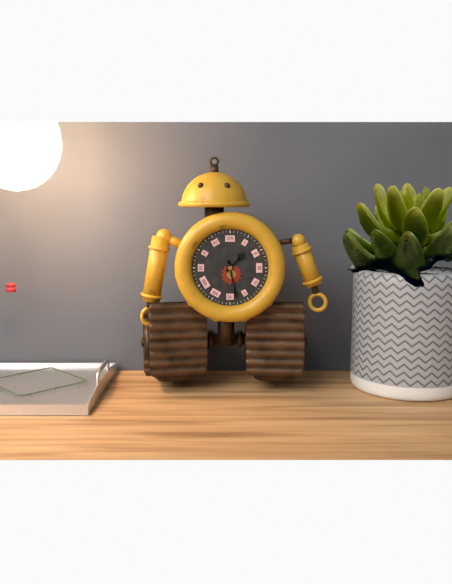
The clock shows 1:28
